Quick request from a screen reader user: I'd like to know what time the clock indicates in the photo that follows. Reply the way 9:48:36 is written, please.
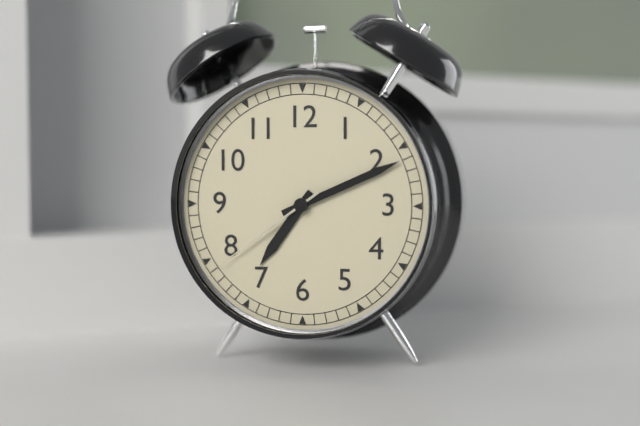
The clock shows 7:11:39
